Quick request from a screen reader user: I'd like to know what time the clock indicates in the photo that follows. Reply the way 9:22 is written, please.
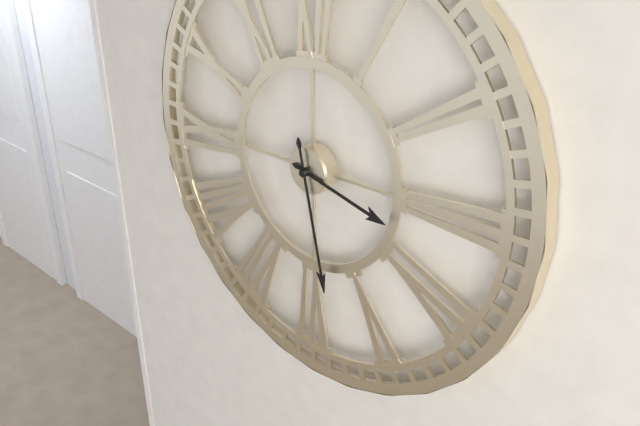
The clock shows 3:28
